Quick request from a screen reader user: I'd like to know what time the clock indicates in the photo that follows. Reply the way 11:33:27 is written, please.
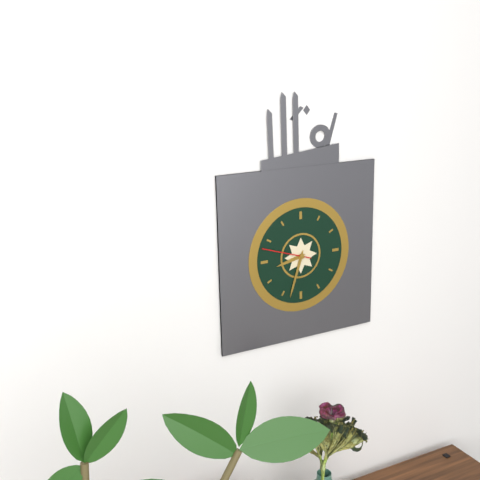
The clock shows 8:33:48
